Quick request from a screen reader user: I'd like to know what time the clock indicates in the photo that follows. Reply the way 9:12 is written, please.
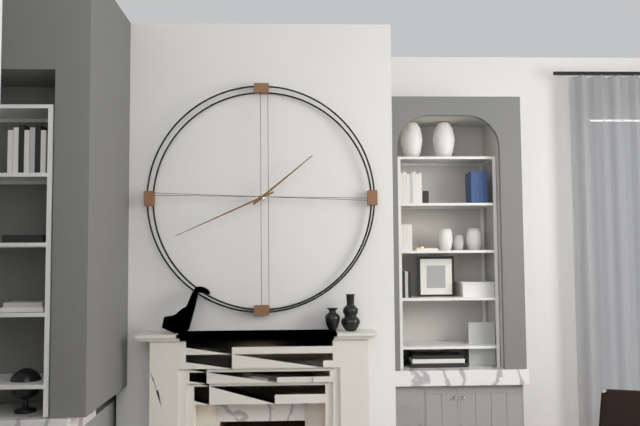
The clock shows 1:41
